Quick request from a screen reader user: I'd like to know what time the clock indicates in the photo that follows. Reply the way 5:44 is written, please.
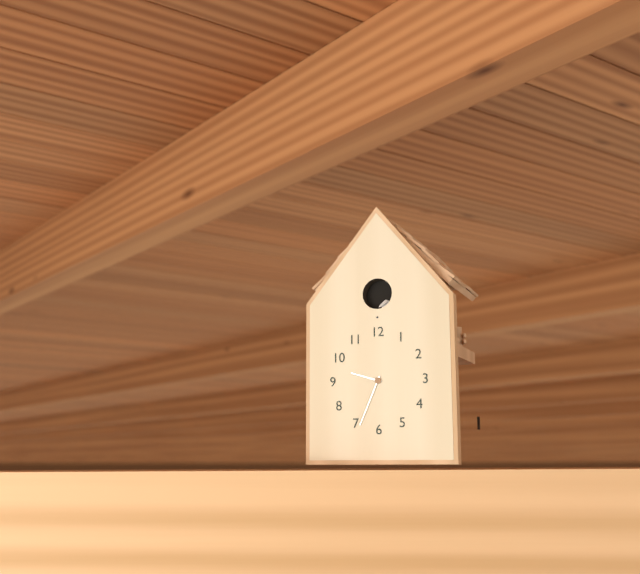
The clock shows 9:34
